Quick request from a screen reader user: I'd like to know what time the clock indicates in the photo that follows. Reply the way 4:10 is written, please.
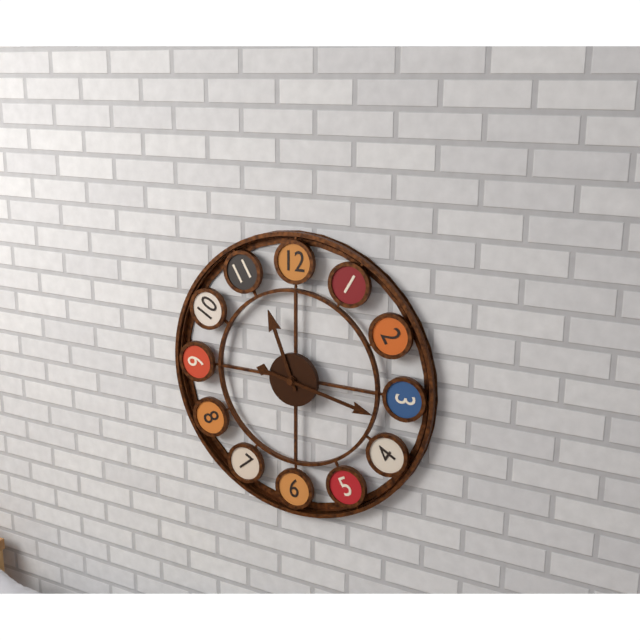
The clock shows 11:17
